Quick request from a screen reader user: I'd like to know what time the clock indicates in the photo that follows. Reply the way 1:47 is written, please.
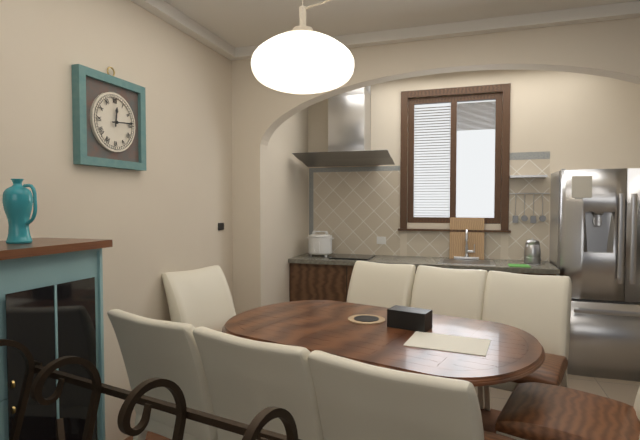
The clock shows 12:14
